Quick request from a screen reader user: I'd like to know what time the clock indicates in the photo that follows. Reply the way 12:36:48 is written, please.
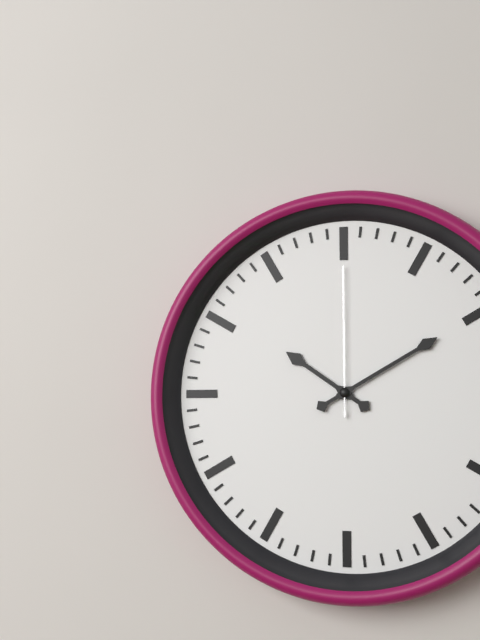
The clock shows 10:10:00
